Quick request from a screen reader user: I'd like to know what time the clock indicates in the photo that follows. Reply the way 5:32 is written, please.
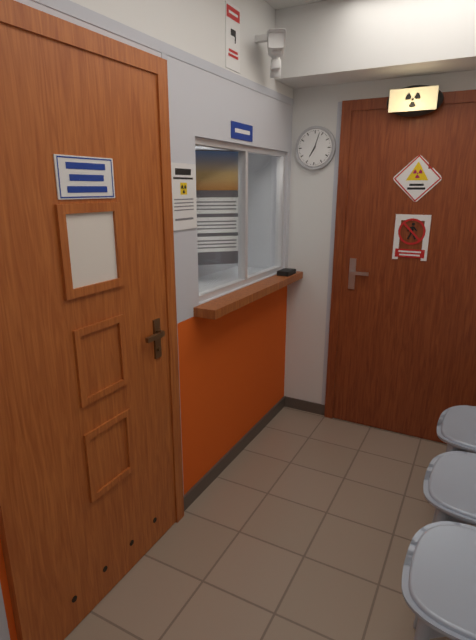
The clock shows 7:03
